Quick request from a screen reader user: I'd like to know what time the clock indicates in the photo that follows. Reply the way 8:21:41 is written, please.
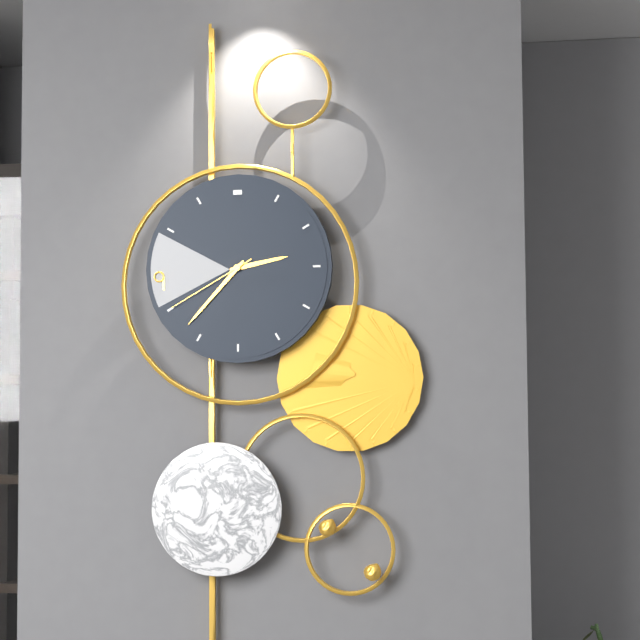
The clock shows 2:37:40
